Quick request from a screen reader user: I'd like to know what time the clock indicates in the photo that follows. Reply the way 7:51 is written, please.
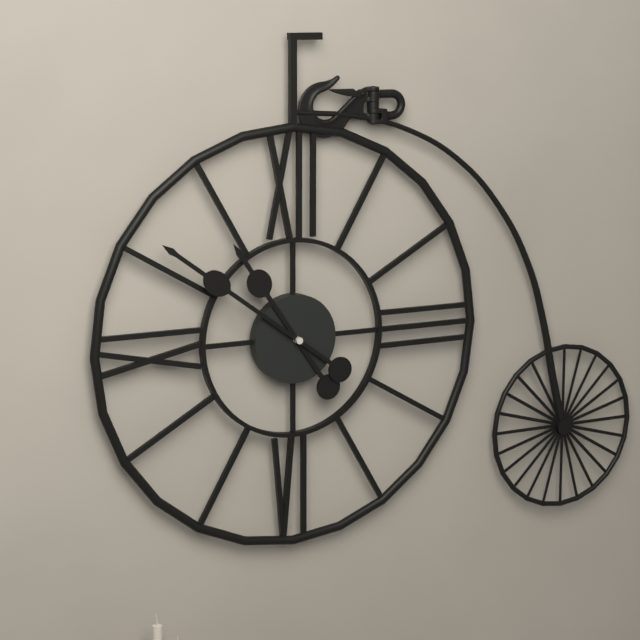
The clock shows 10:51
